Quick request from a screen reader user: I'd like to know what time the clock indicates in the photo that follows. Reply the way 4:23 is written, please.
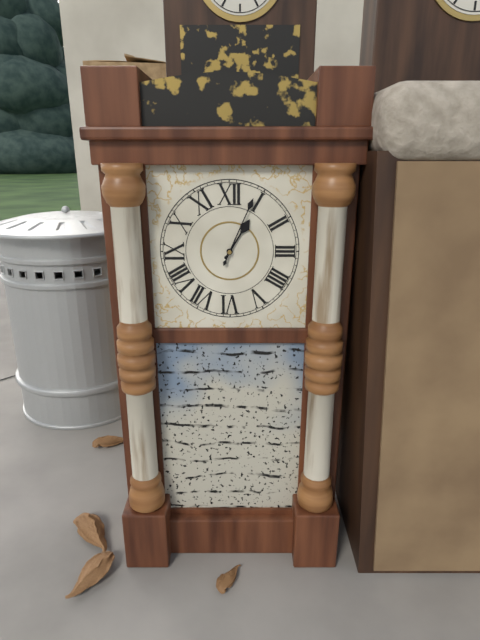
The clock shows 1:04
